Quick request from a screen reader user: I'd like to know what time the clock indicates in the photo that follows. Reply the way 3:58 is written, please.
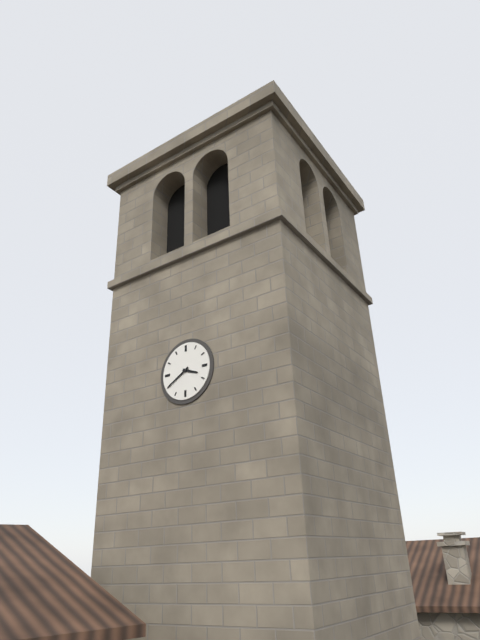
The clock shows 3:40
